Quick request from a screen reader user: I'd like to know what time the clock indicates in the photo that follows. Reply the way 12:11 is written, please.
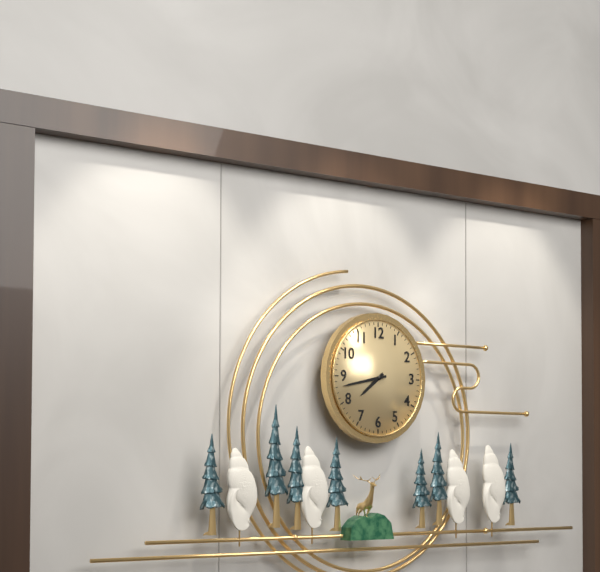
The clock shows 7:43
